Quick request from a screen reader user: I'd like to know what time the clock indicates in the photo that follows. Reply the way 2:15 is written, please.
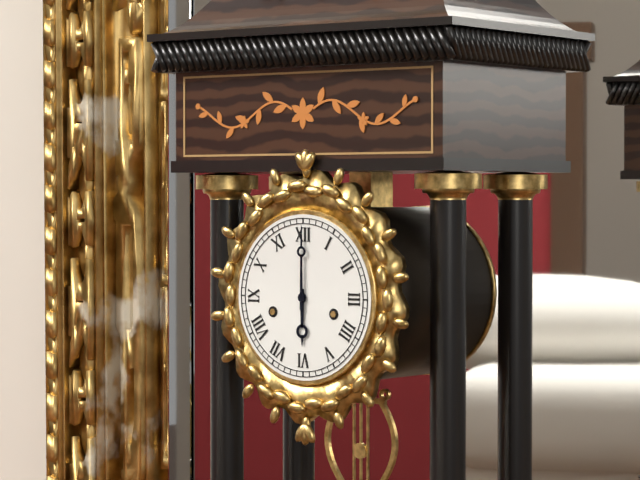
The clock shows 6:00
